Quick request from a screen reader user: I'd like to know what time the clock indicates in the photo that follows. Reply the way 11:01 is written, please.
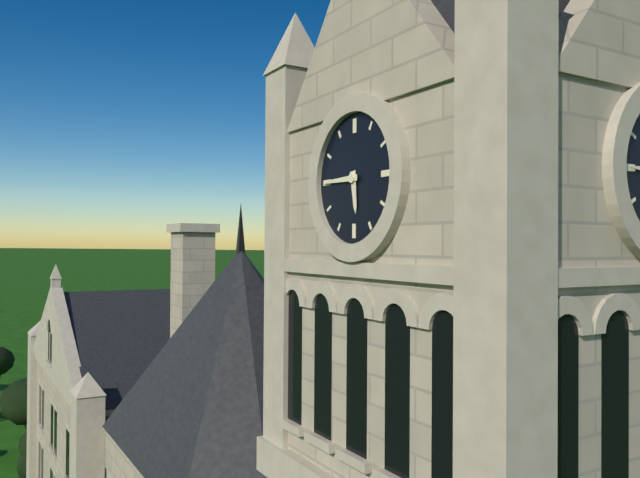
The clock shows 5:45
